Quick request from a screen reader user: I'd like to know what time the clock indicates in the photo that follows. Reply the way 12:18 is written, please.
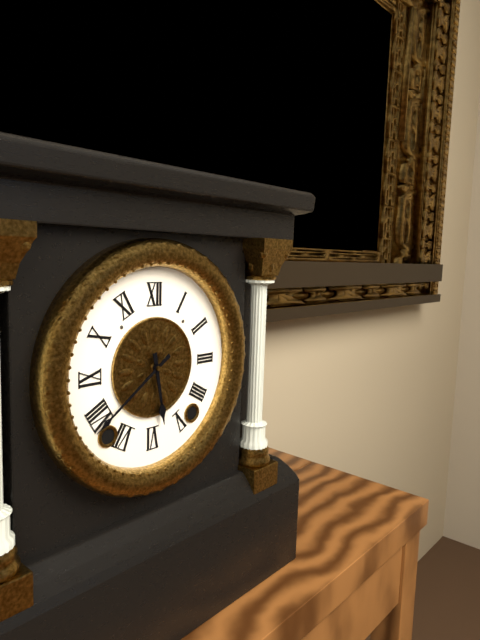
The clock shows 5:39
